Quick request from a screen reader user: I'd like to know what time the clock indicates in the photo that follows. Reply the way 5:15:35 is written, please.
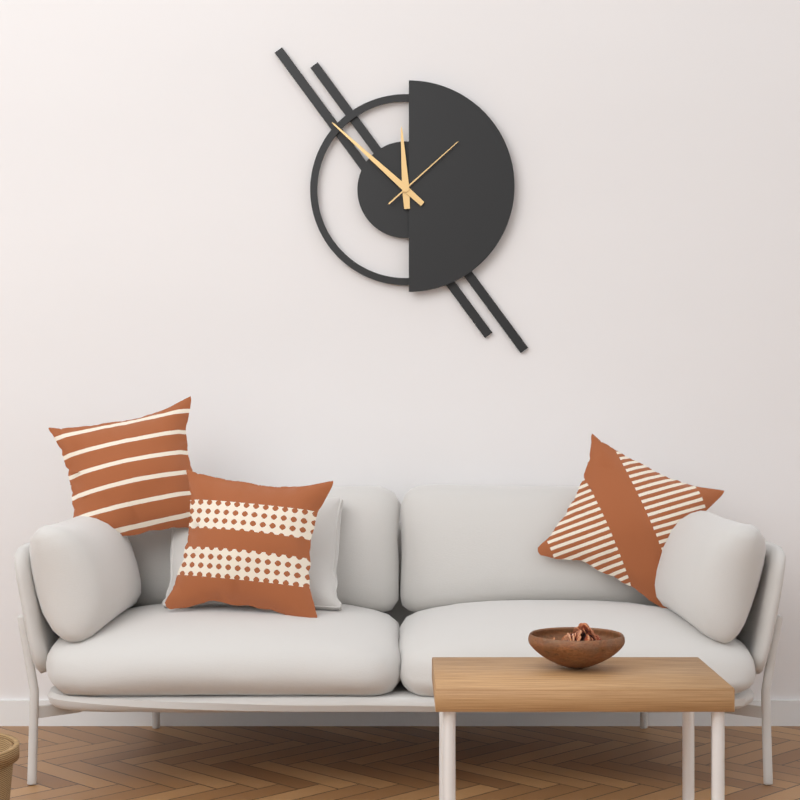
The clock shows 11:52:08
